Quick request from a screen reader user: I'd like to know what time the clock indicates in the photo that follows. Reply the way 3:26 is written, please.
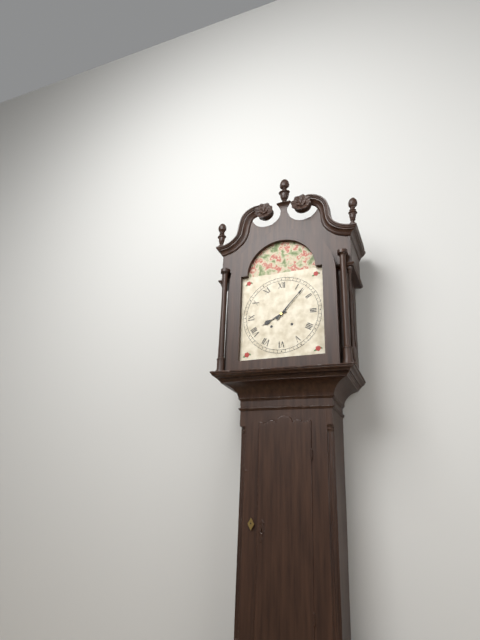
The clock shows 8:07
